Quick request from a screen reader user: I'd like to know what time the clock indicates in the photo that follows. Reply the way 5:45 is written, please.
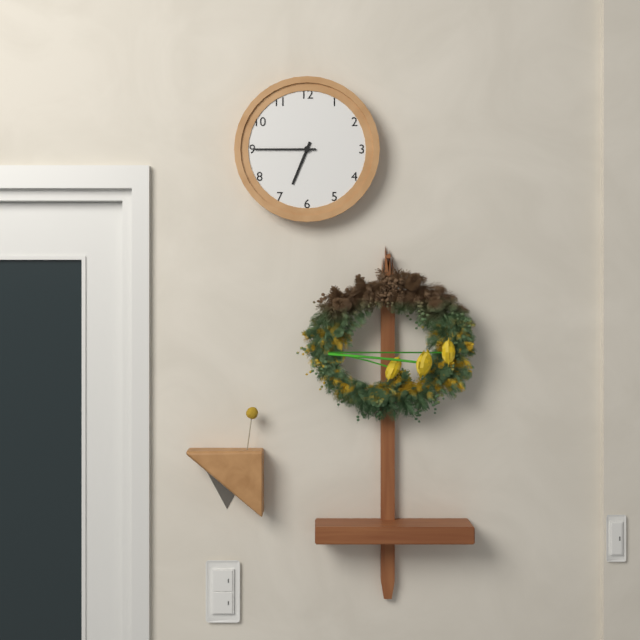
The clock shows 6:45
